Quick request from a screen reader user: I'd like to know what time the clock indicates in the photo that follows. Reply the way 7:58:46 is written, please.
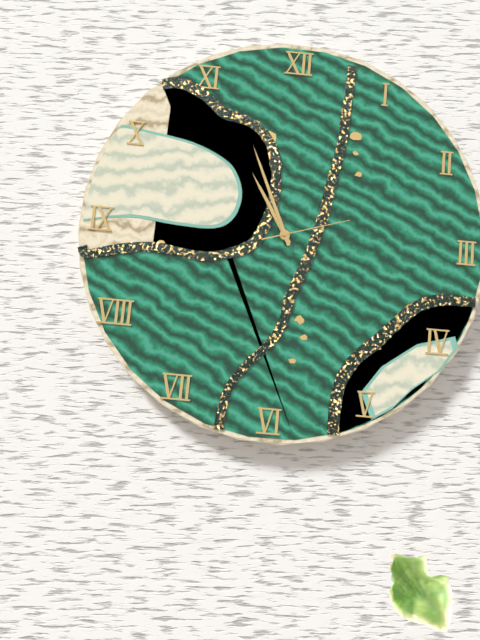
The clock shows 10:56:12
